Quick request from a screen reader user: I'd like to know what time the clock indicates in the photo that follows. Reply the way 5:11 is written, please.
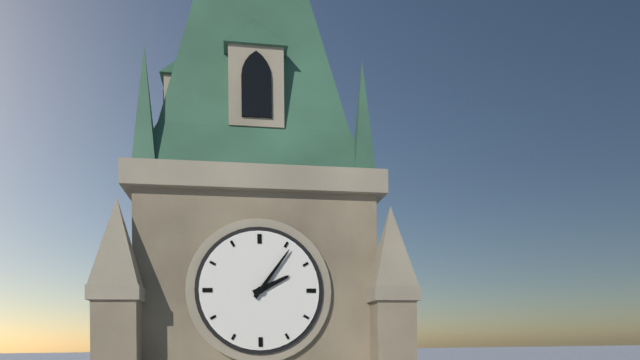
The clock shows 2:06
